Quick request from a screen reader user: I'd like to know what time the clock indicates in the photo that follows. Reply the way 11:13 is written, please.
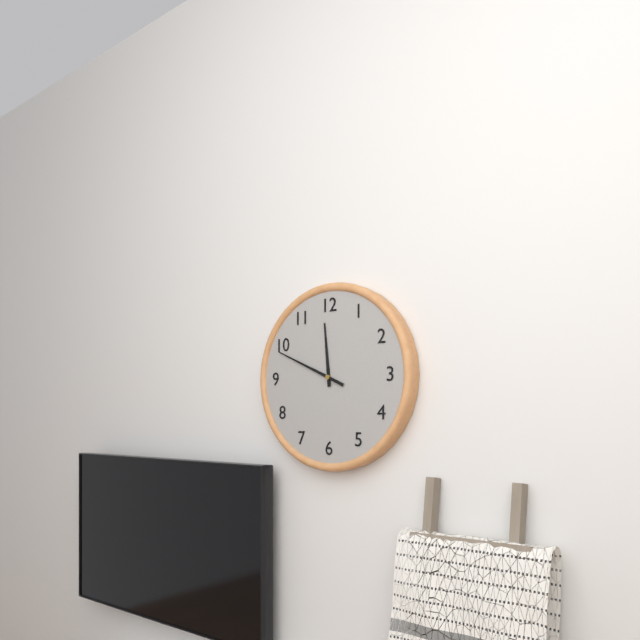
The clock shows 11:49
